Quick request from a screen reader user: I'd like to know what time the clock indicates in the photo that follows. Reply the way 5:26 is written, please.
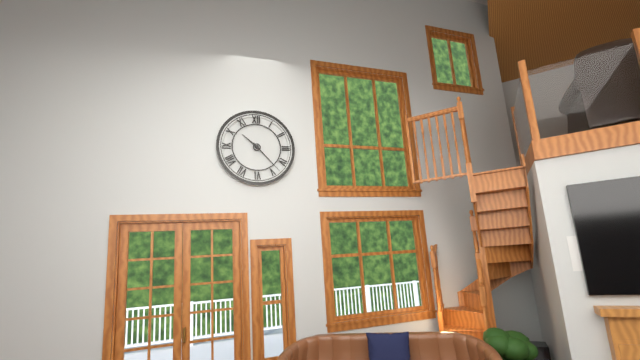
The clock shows 10:23
